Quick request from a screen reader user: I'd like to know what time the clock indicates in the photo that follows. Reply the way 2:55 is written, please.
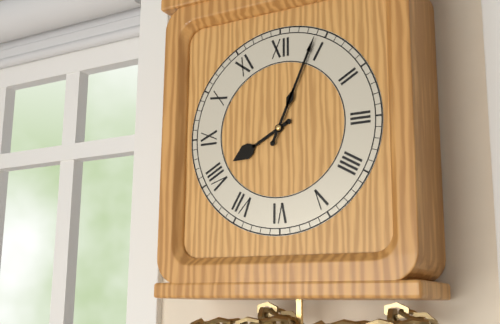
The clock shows 8:04
